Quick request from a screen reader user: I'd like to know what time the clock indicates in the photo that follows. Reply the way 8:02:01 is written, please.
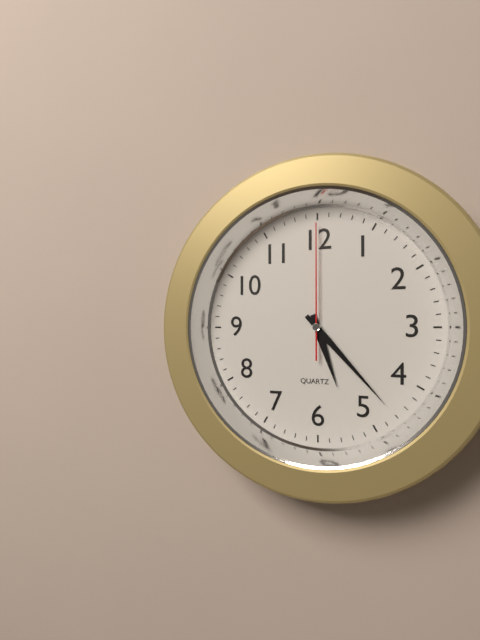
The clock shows 5:23:00
